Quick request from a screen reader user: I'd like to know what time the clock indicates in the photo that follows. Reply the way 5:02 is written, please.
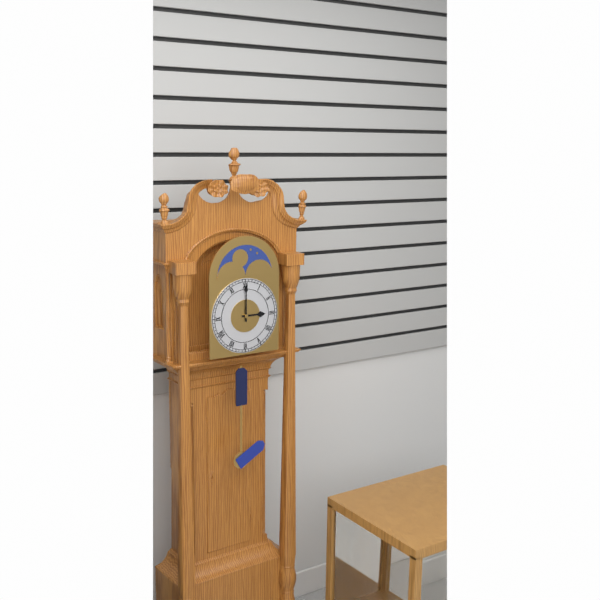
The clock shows 3:00
